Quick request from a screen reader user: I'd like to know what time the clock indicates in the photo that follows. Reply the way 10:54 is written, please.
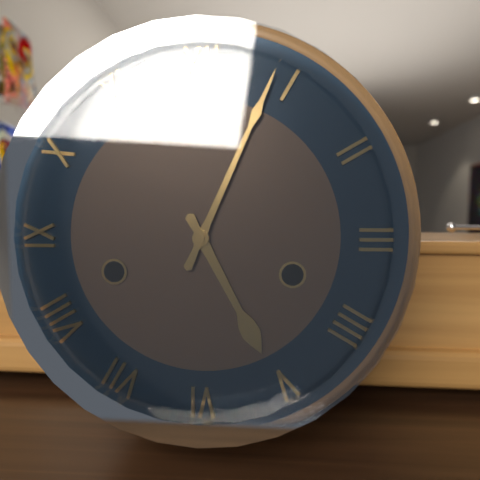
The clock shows 5:04
